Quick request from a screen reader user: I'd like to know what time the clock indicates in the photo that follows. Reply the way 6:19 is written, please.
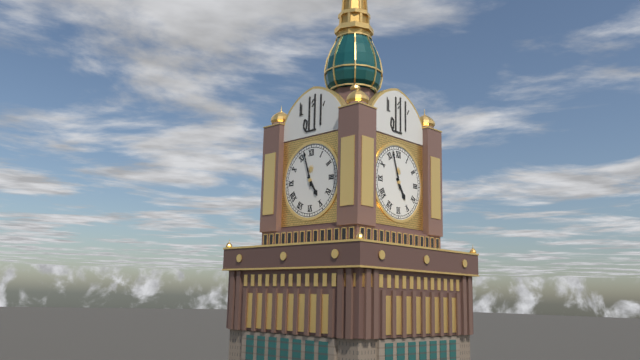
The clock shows 4:57
